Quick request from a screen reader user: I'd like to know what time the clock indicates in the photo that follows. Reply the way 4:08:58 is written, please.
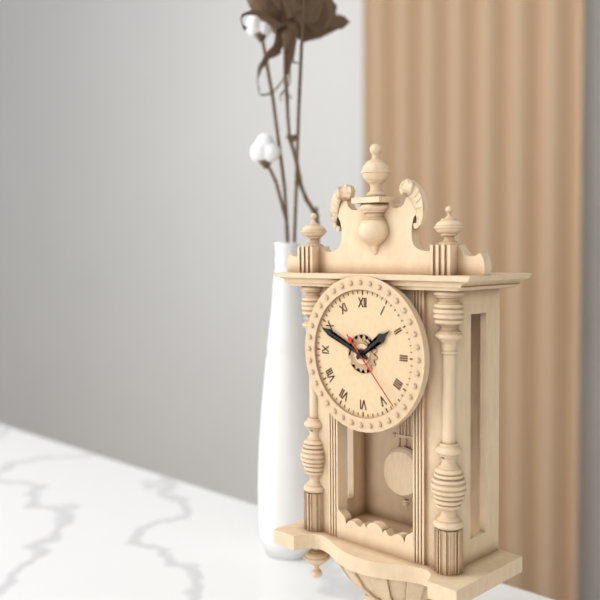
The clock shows 1:49:23
